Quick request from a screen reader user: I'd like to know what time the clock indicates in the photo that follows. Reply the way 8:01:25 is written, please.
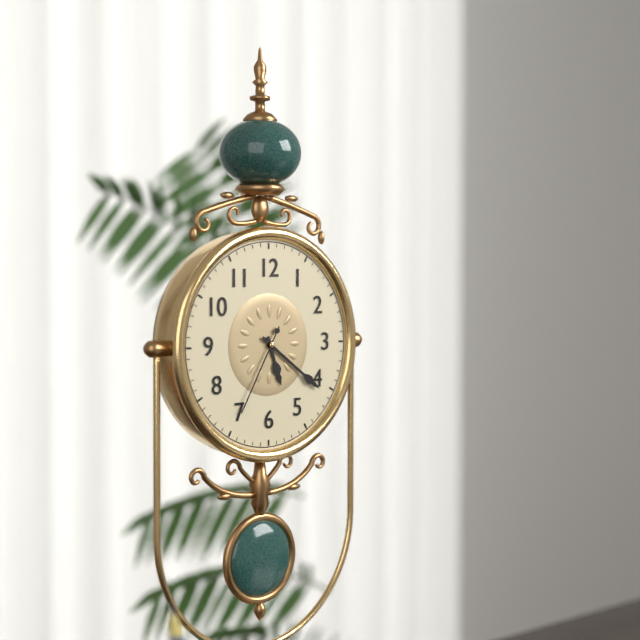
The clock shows 5:21:35
